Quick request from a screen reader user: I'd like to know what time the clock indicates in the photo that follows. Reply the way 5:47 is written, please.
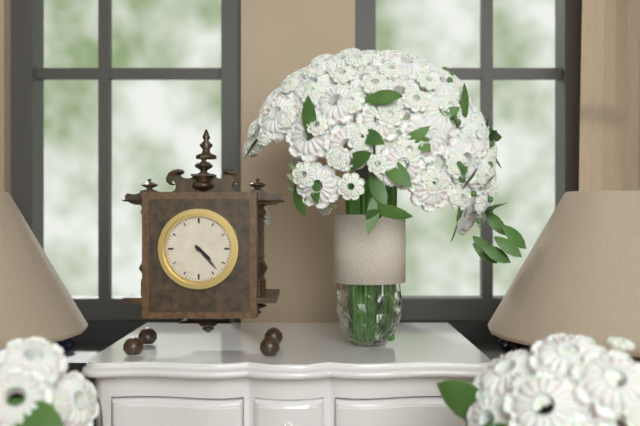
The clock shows 4:23
